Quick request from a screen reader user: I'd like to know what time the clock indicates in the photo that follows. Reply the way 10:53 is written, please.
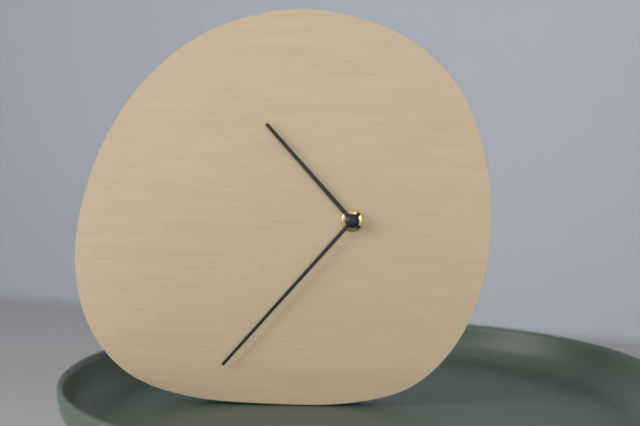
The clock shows 10:37
